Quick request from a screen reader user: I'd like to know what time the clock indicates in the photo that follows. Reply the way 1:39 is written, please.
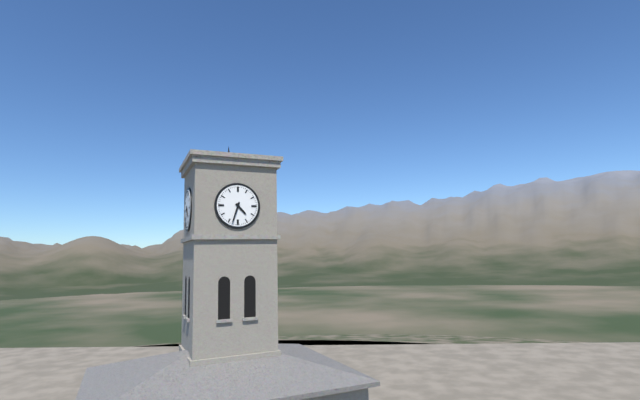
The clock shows 4:33
